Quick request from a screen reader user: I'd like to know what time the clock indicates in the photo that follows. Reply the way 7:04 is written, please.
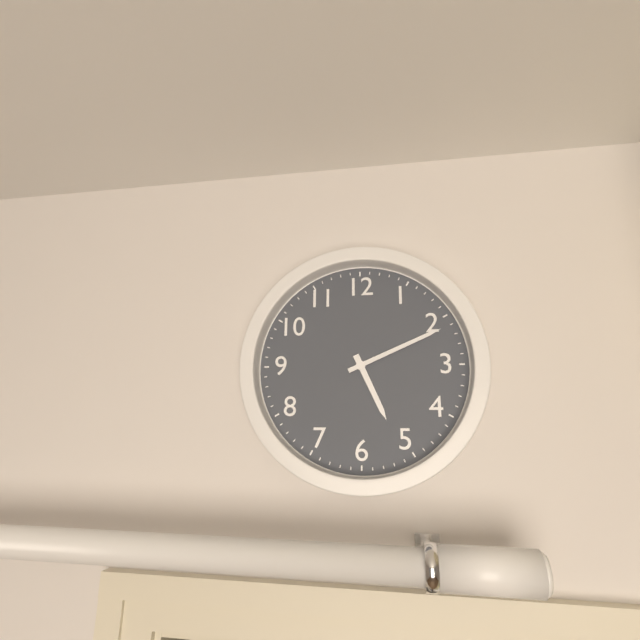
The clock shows 5:11
